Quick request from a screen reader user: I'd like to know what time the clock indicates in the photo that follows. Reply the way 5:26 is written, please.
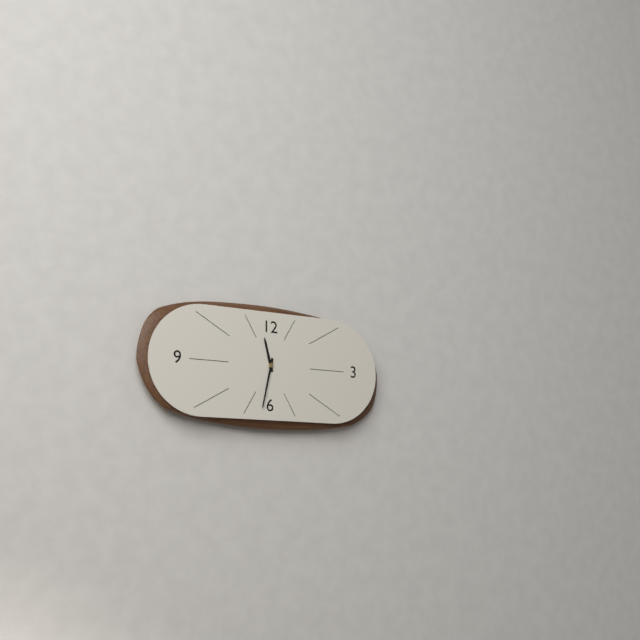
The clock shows 11:32
